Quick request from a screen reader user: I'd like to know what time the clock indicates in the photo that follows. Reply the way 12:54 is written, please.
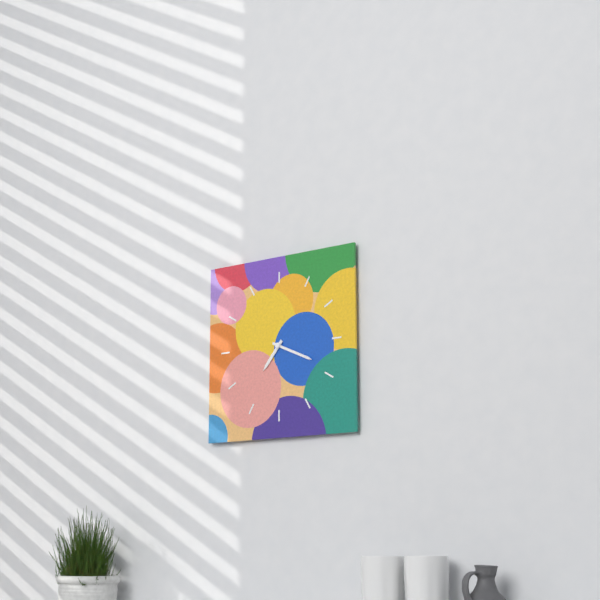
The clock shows 7:19
